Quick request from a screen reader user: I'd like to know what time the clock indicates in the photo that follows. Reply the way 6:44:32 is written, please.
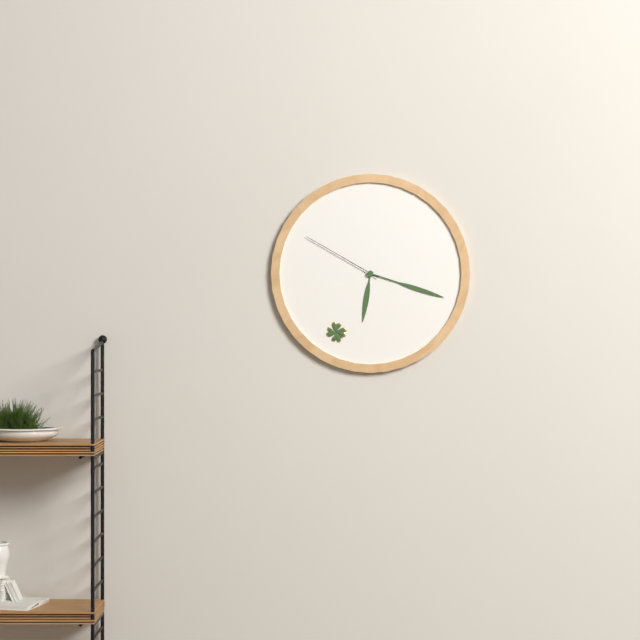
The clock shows 6:18:50
